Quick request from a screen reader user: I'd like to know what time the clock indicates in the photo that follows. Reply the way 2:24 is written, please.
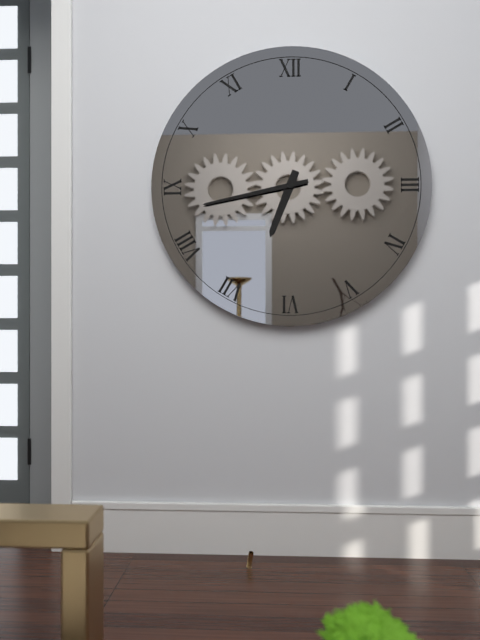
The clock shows 6:43
